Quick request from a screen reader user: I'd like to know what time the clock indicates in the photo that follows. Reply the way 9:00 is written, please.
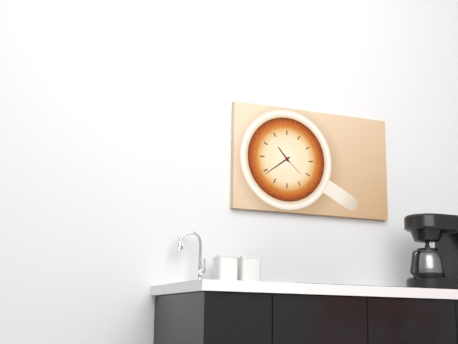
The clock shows 10:39
